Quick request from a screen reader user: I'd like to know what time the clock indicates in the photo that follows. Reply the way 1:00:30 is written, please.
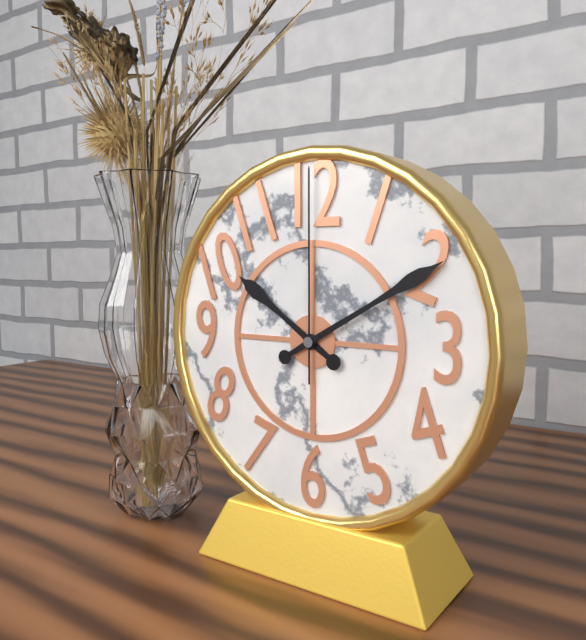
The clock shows 10:10:00
